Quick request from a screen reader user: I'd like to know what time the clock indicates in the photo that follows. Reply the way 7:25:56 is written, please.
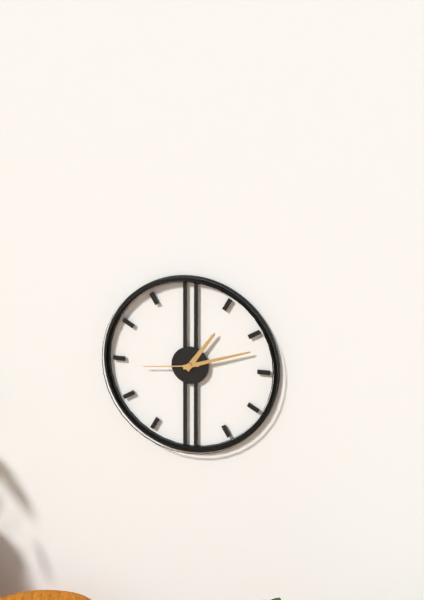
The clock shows 1:12:44
